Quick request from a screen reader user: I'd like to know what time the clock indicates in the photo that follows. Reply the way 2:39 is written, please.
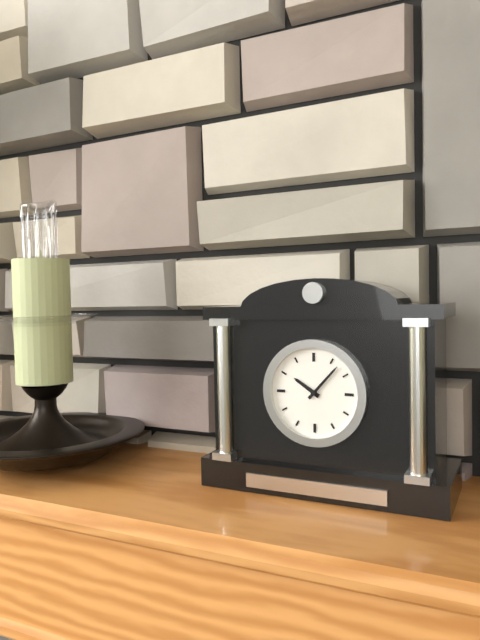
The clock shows 10:07
